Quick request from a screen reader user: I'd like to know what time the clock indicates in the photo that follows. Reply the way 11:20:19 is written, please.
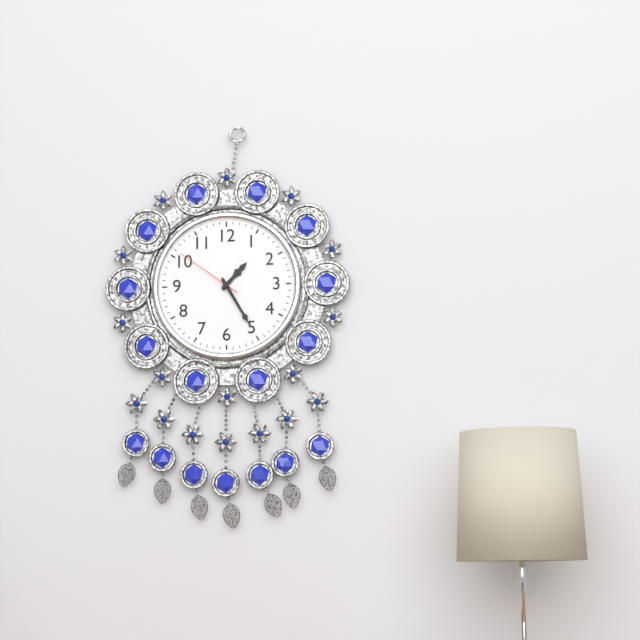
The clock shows 1:25:51
